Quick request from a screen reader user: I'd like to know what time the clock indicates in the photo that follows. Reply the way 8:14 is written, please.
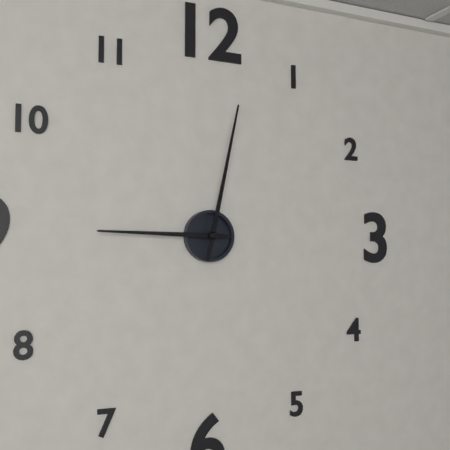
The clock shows 9:02
